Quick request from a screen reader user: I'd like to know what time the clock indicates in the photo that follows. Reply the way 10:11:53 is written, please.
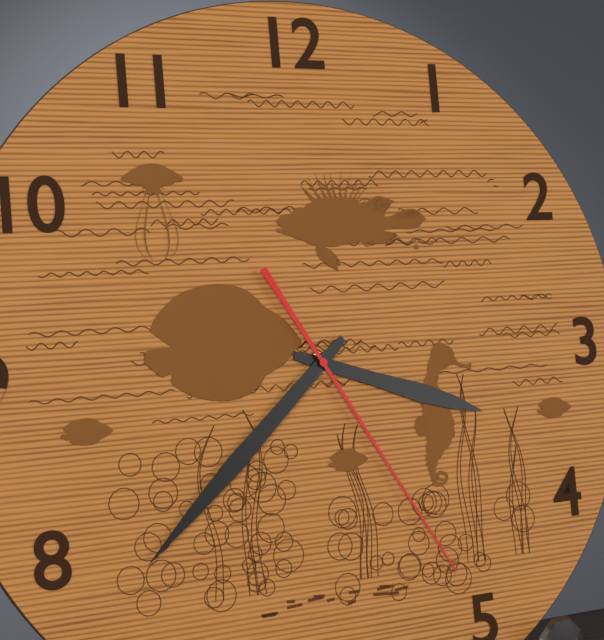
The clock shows 3:38:25
